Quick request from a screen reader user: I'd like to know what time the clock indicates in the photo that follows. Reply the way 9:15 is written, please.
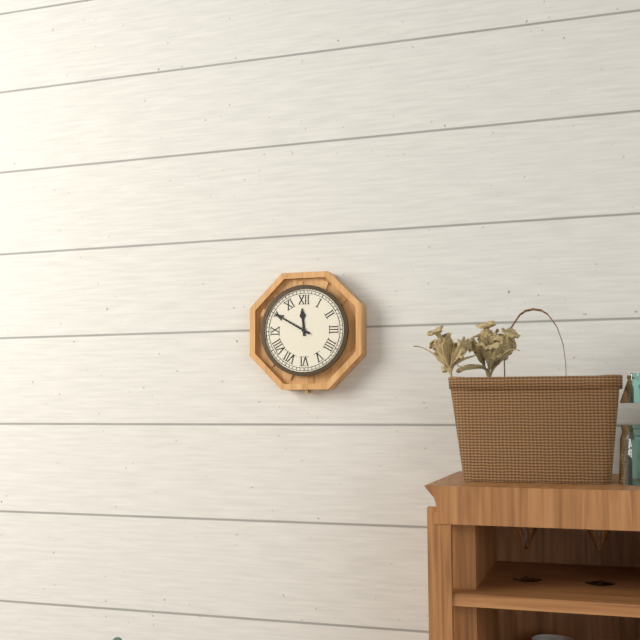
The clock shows 11:50
